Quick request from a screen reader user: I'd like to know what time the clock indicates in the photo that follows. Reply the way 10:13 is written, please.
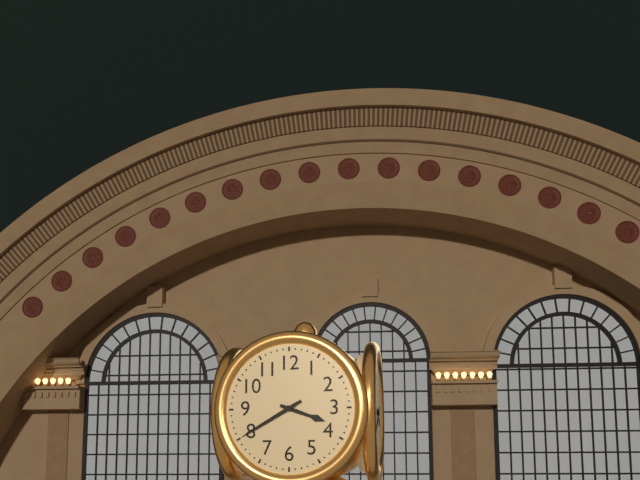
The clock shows 3:40
